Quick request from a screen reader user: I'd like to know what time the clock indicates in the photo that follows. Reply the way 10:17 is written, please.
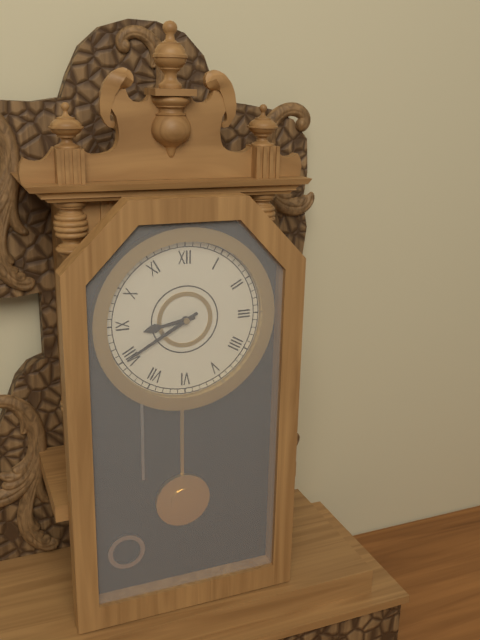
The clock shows 8:40
